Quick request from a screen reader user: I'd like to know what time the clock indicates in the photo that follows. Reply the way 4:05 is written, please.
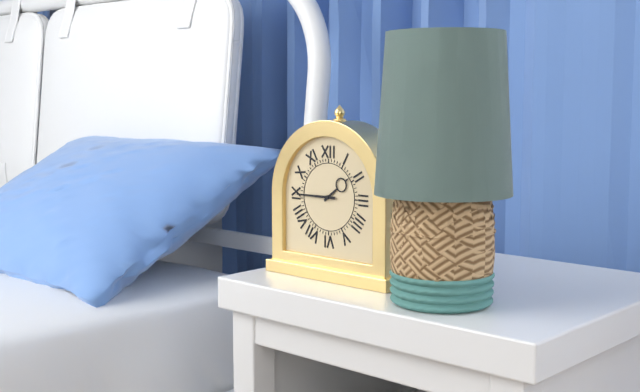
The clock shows 1:45
